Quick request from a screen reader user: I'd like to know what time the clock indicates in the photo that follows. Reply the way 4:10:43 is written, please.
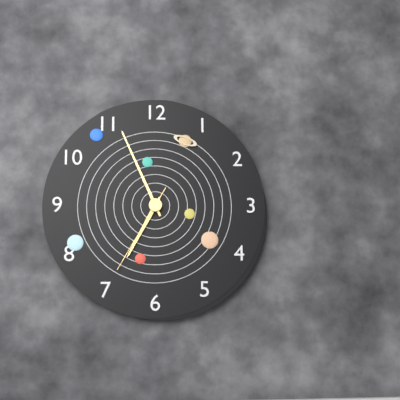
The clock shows 6:56:35
